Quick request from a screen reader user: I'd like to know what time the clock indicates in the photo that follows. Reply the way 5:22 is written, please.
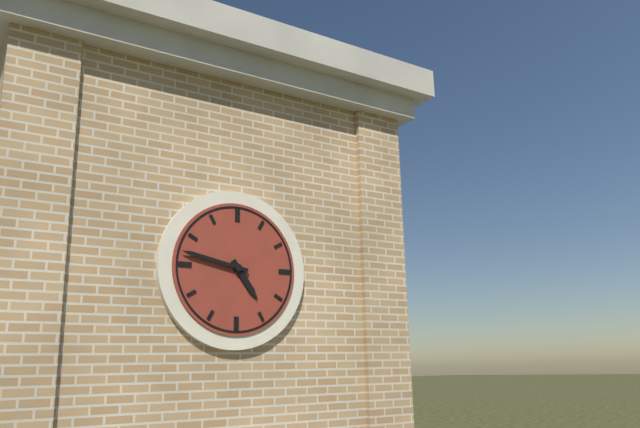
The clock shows 4:47
